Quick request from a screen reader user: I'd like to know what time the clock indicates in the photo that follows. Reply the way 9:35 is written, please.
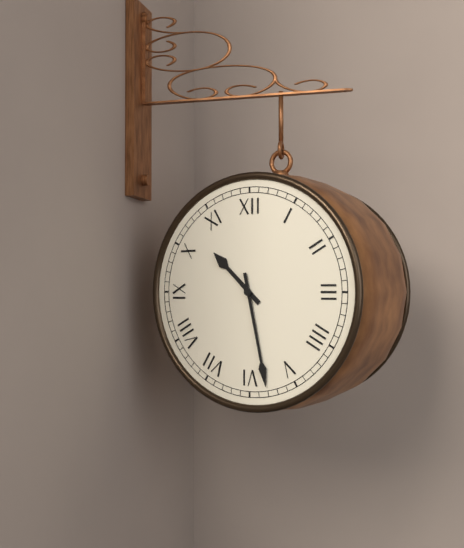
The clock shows 10:28
